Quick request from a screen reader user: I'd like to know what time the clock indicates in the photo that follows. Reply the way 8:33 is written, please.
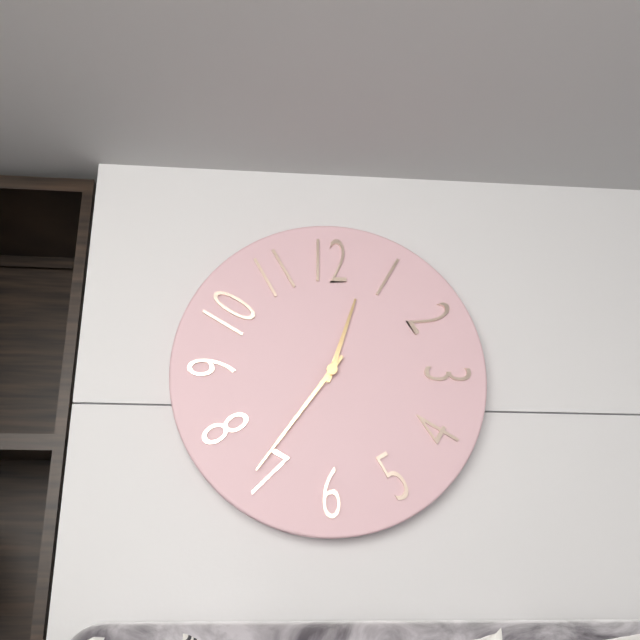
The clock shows 12:36
